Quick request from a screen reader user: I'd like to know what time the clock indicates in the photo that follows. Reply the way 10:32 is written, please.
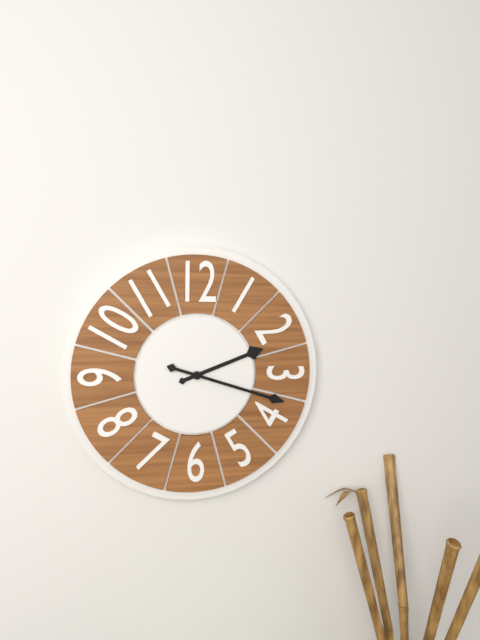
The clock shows 2:18
